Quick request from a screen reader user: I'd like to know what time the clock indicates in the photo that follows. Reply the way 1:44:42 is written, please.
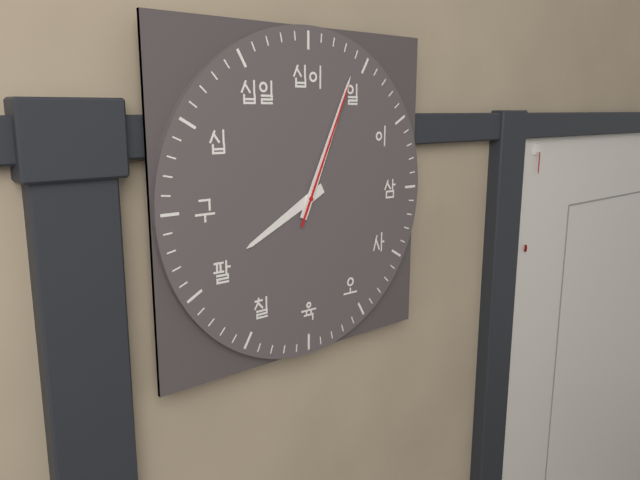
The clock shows 8:04:04
